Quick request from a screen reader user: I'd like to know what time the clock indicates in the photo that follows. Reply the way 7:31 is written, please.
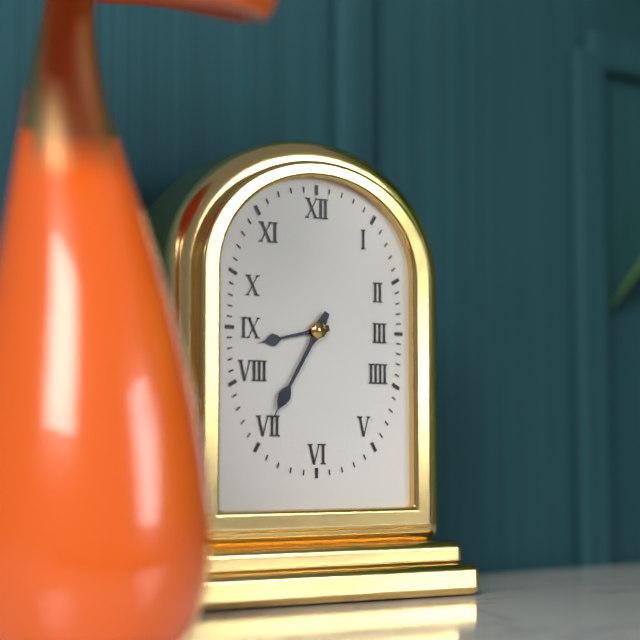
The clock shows 8:35
